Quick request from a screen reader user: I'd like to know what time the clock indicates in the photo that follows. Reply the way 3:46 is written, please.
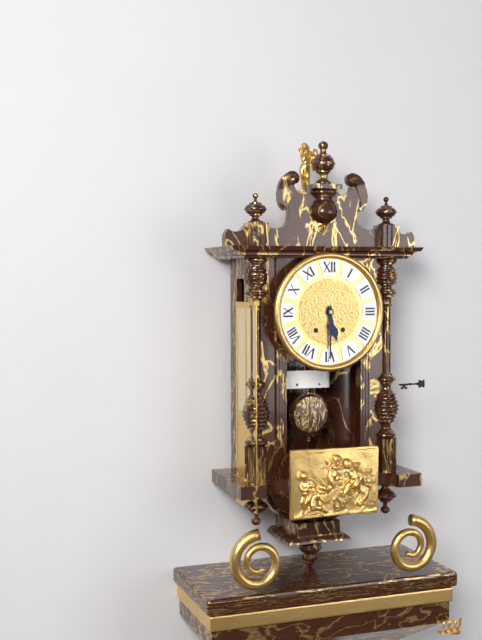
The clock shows 5:30
